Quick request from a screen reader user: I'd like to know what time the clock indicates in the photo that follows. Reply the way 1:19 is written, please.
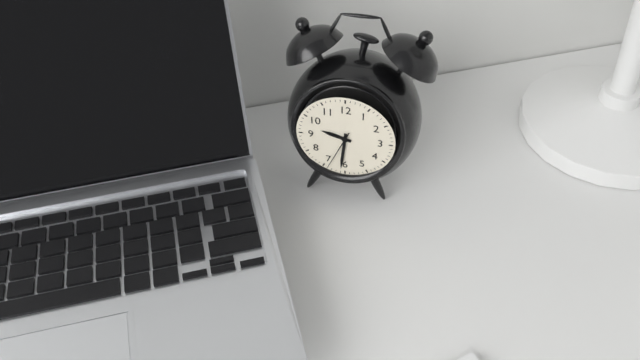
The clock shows 9:31
